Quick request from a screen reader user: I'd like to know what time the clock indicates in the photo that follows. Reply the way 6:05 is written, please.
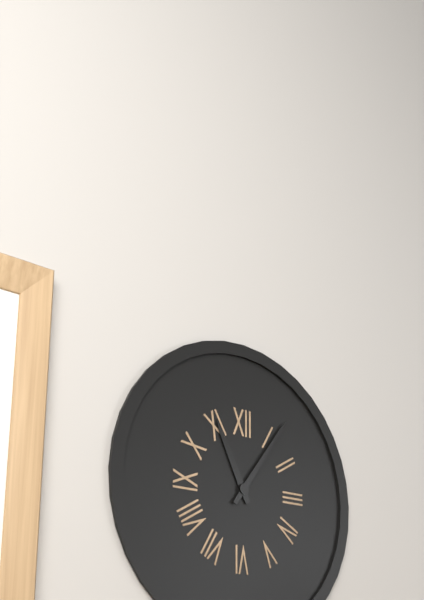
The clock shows 11:06
